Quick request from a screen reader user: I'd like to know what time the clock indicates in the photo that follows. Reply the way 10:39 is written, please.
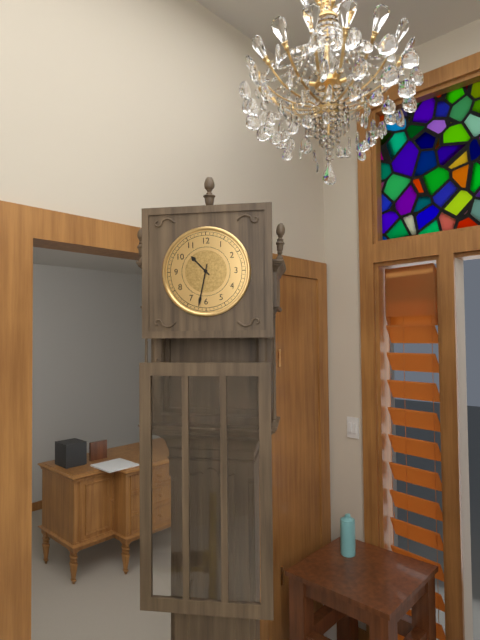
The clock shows 10:32
